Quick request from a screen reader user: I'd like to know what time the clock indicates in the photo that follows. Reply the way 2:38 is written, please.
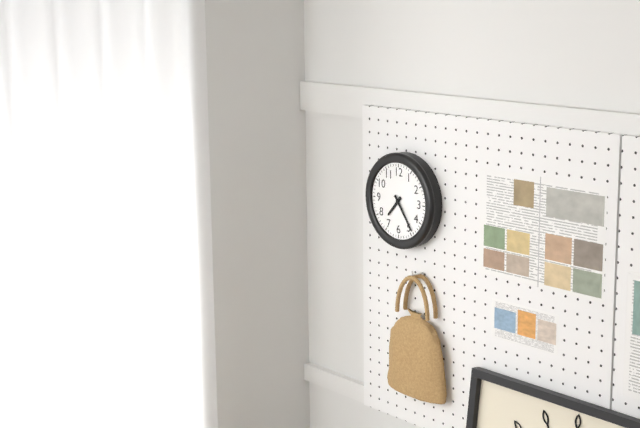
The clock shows 7:24
